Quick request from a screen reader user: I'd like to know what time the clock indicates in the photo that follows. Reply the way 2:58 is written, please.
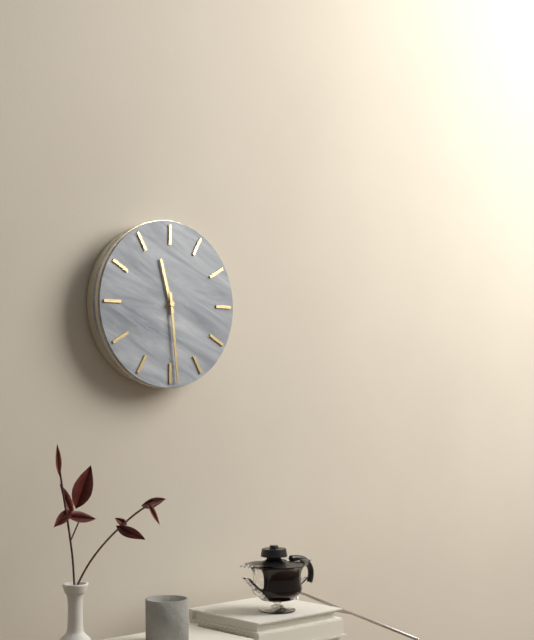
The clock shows 11:29
